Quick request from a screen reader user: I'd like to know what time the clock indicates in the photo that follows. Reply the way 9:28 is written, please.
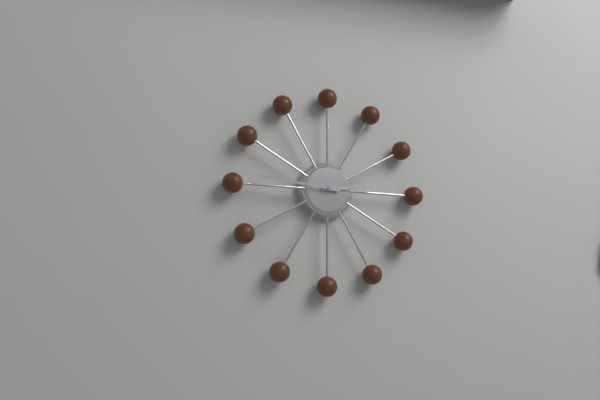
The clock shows 2:46
